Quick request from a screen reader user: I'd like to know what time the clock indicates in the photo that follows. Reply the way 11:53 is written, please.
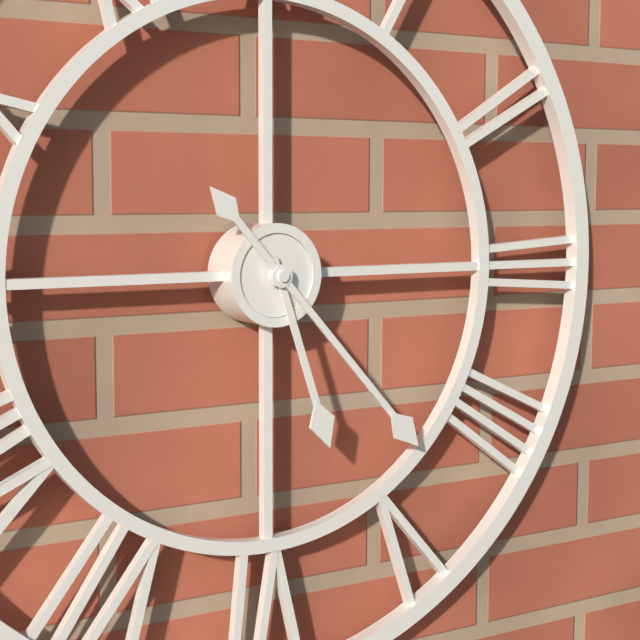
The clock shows 5:23
